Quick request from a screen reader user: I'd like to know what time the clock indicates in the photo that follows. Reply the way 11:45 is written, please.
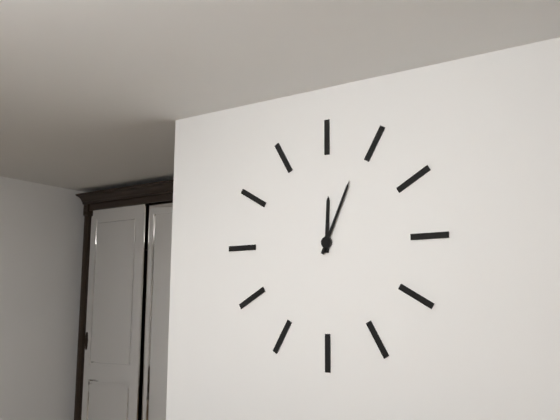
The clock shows 12:04
